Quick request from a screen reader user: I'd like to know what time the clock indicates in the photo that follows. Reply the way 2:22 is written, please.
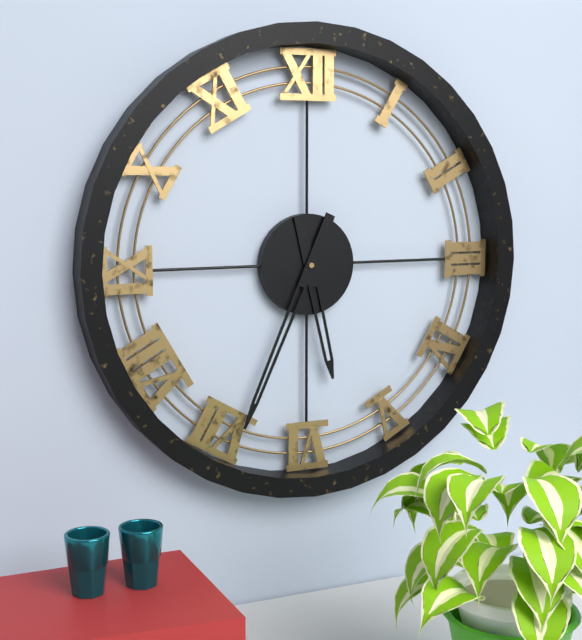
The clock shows 5:34
